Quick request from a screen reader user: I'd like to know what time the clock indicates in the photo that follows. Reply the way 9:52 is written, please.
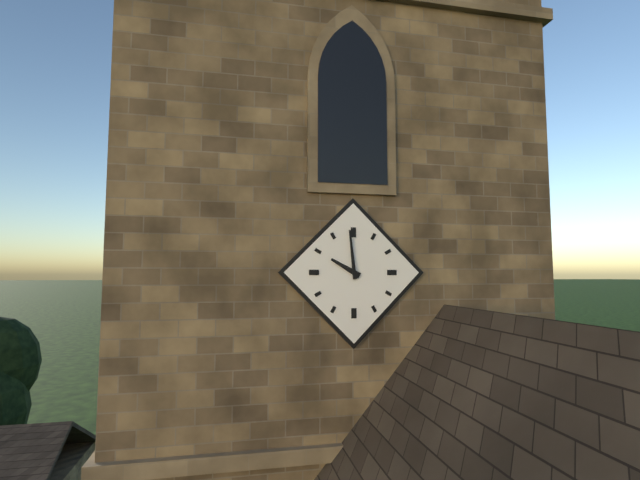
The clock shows 9:59
